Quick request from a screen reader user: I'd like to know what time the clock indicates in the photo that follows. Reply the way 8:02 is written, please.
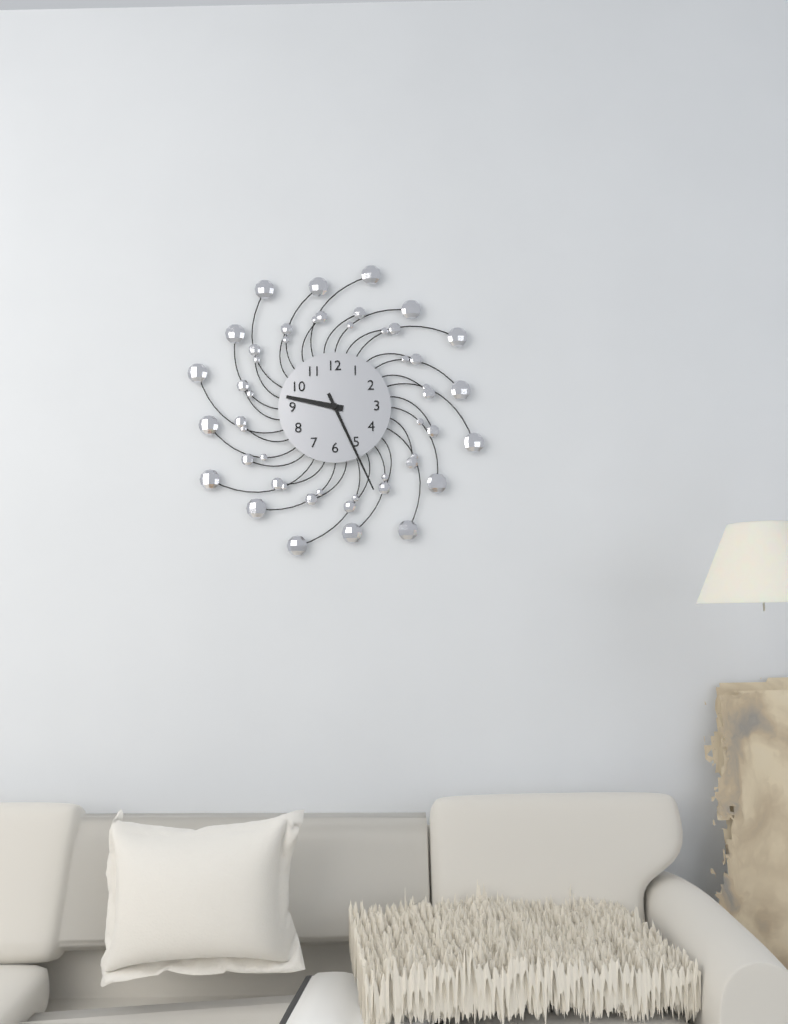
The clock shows 9:26
